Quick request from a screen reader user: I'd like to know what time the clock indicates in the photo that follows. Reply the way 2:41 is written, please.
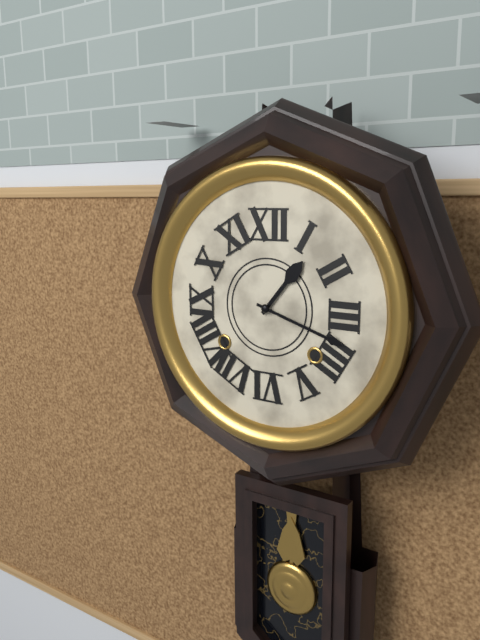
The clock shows 1:18
